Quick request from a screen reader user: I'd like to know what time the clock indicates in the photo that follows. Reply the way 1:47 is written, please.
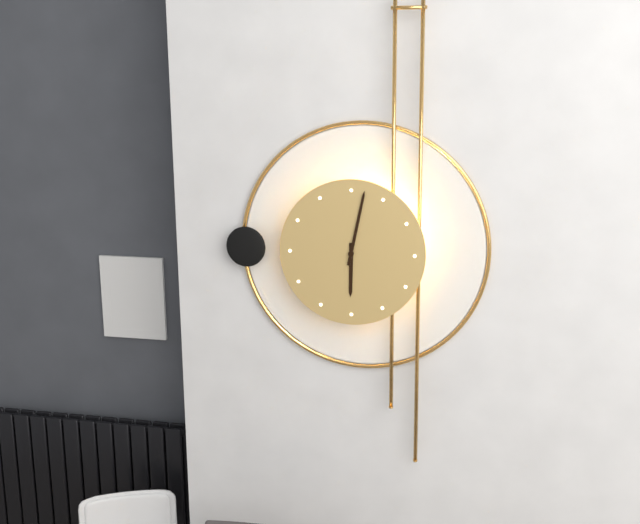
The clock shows 6:02
